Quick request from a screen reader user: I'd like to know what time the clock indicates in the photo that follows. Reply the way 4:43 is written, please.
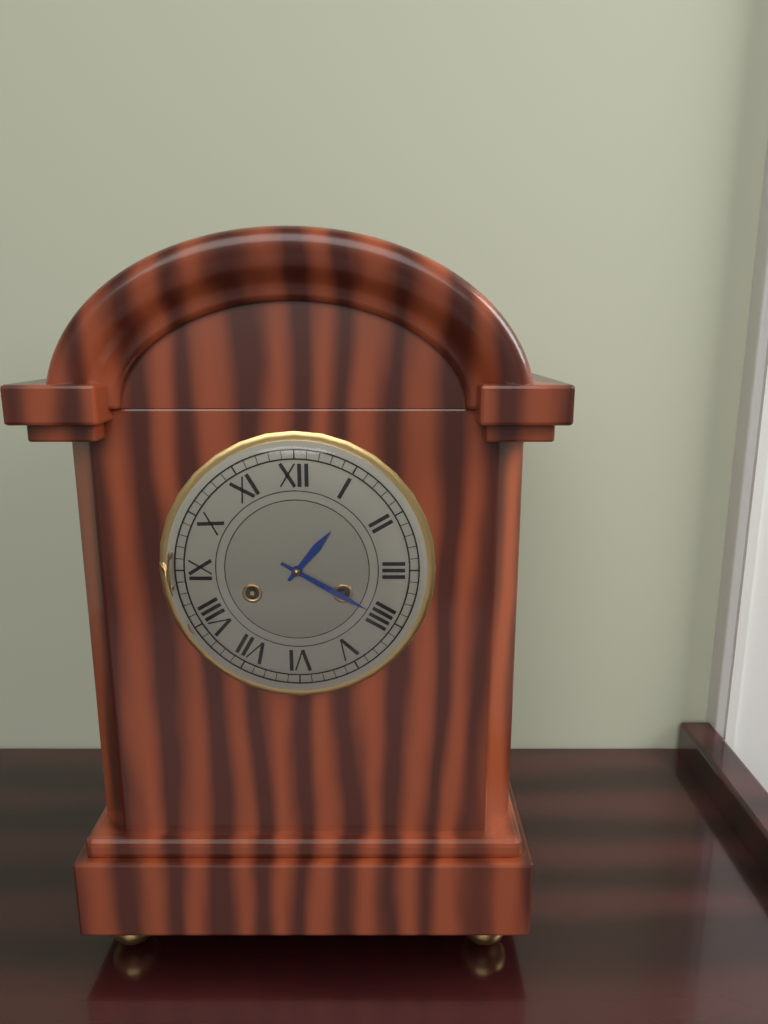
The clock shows 1:20
